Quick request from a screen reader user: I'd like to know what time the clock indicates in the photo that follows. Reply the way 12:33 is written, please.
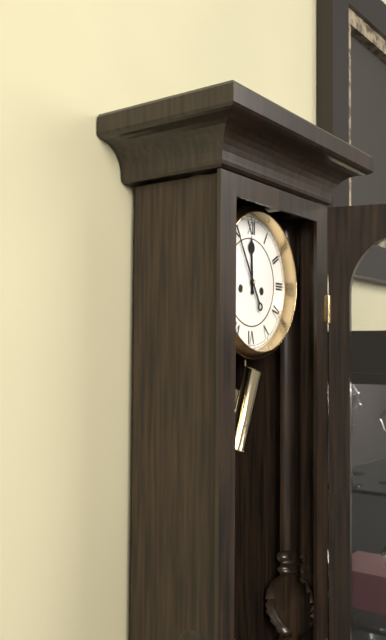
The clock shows 11:55
